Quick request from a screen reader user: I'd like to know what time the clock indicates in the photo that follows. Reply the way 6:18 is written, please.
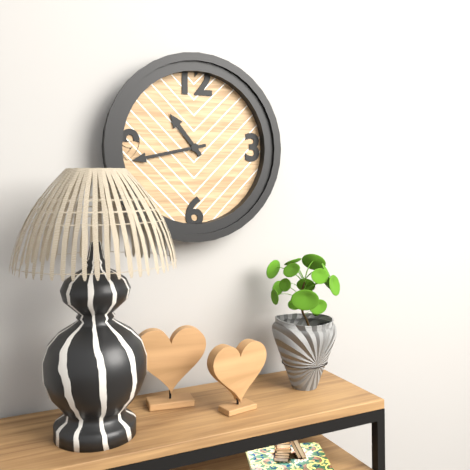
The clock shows 10:43
